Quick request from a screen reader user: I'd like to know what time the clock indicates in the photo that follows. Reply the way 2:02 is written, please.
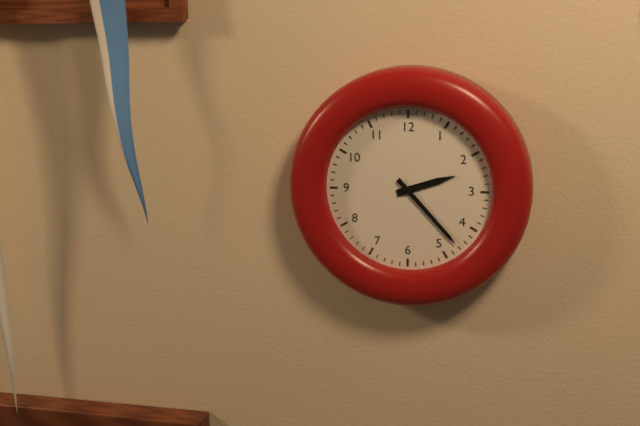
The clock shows 2:23
